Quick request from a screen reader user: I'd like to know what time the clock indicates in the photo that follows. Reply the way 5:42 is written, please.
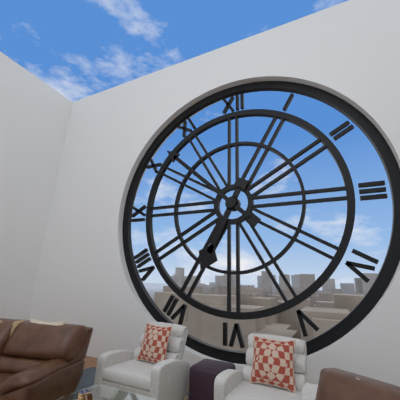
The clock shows 6:52
